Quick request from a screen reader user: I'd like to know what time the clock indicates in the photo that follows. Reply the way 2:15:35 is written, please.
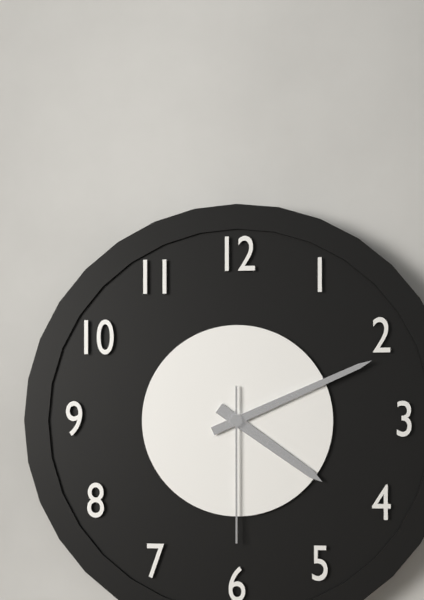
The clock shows 4:11:30
